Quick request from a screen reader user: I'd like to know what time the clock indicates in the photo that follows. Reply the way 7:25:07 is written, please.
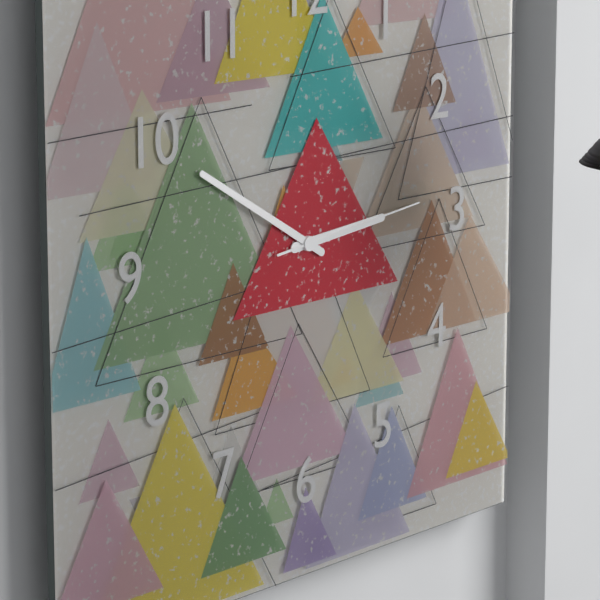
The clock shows 2:50:14
